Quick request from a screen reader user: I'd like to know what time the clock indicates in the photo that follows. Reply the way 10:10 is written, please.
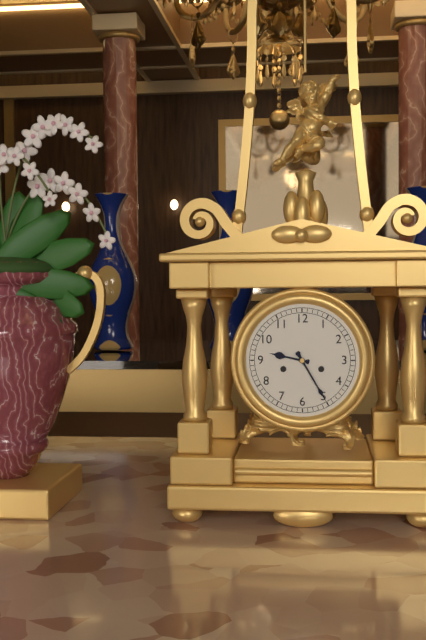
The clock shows 9:25
